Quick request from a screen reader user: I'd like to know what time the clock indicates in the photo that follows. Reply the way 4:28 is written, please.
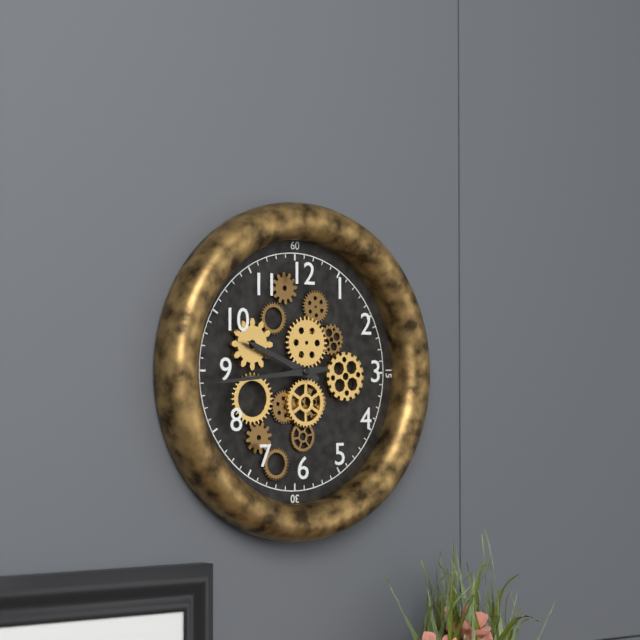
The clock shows 9:44
